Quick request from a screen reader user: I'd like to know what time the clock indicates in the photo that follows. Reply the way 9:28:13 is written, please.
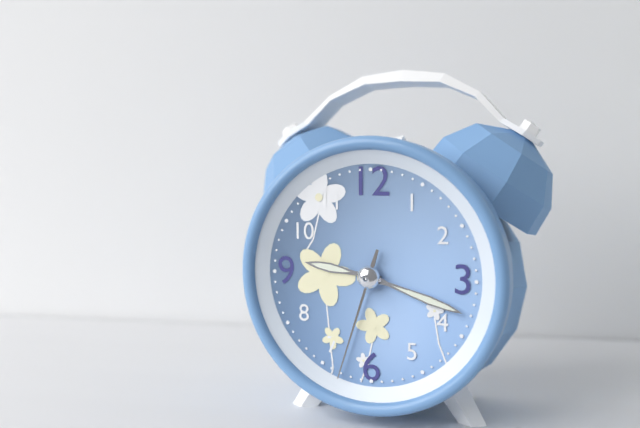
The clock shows 9:18:33
